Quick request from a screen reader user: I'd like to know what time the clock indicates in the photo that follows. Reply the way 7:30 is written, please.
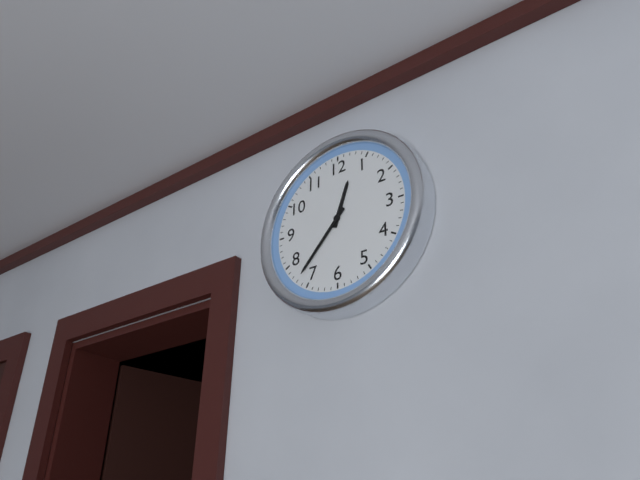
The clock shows 12:37
